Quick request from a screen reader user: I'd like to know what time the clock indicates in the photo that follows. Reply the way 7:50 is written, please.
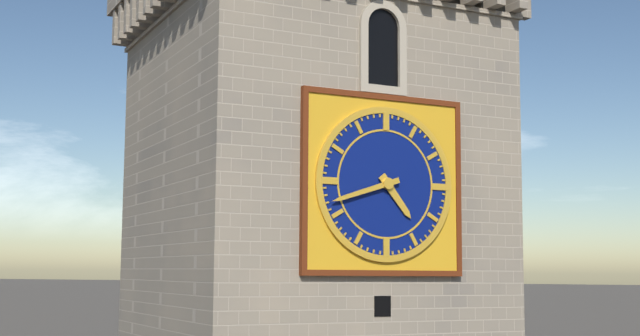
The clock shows 4:42
